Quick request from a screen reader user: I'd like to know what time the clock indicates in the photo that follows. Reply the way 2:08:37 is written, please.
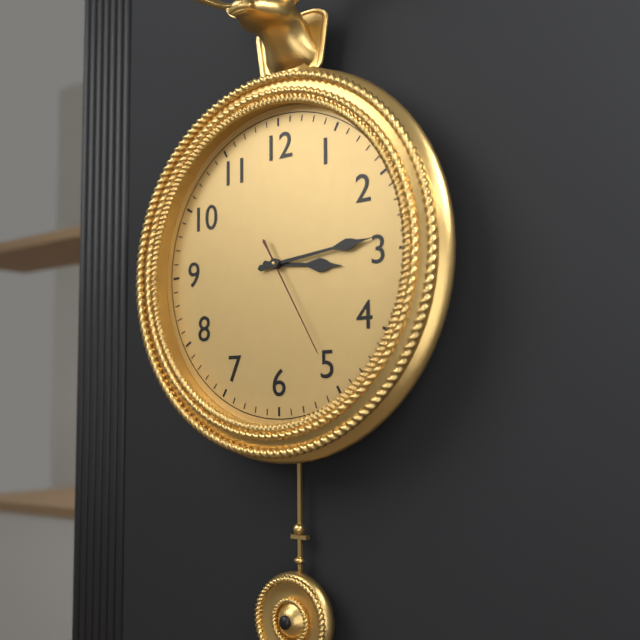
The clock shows 3:14:25
